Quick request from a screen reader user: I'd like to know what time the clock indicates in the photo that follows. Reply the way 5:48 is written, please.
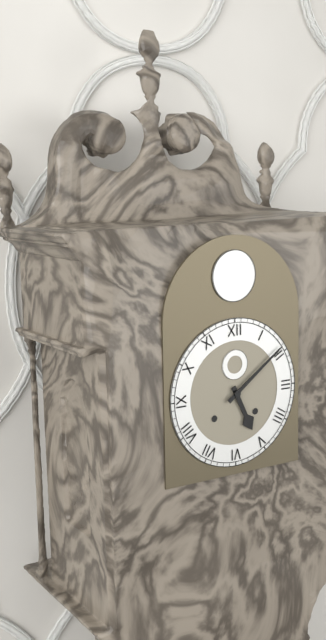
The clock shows 5:09
